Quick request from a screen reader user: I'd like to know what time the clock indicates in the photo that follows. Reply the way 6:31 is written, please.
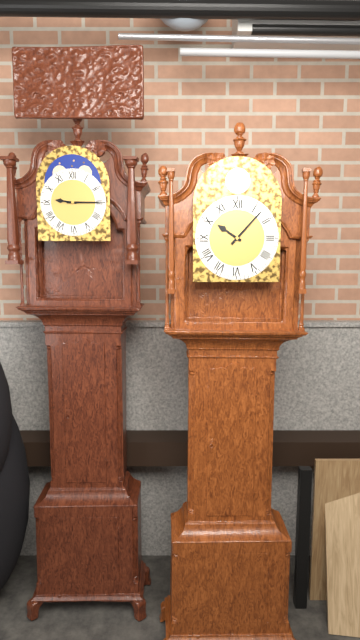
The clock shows 10:07
